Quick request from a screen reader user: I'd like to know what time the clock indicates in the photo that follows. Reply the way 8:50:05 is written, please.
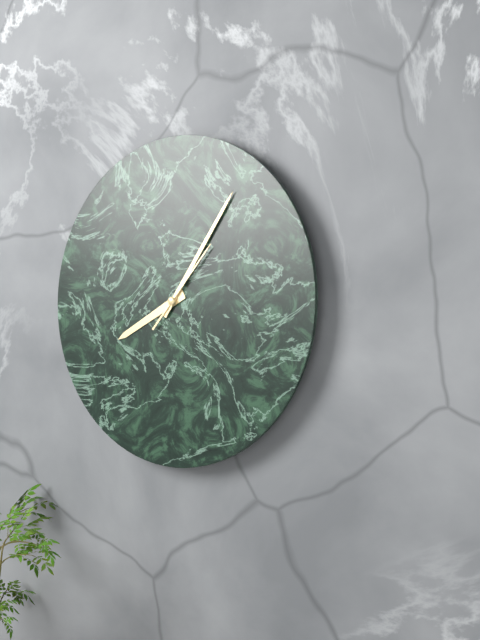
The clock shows 8:06:07
